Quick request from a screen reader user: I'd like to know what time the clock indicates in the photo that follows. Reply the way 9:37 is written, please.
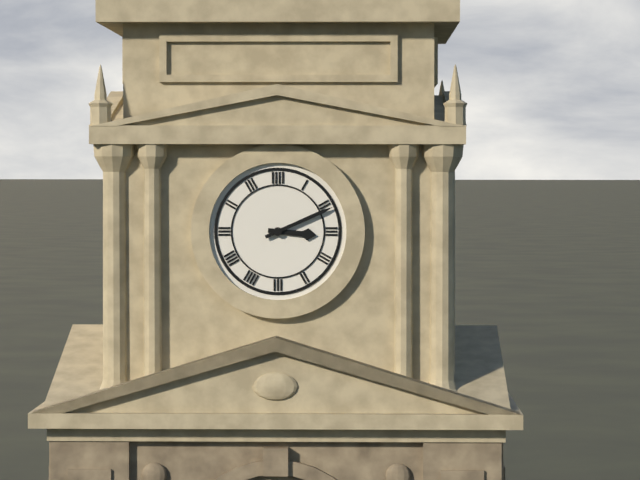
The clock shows 3:11
